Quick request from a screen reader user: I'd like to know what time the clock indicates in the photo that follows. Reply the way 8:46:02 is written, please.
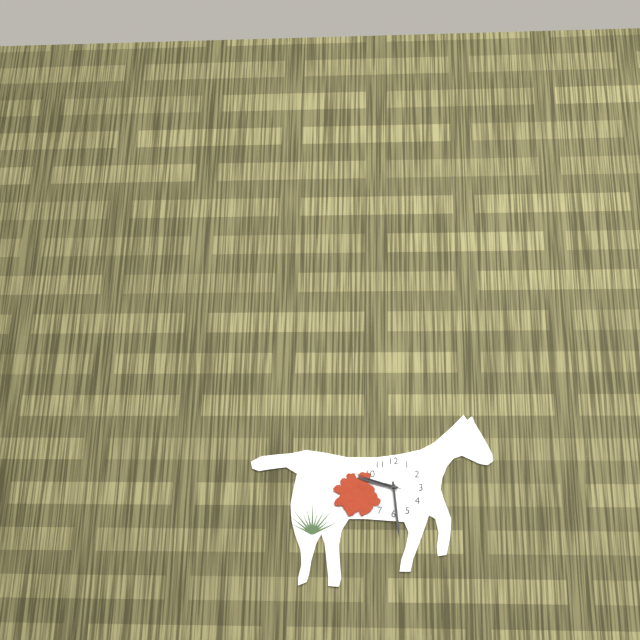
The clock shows 9:29:48
